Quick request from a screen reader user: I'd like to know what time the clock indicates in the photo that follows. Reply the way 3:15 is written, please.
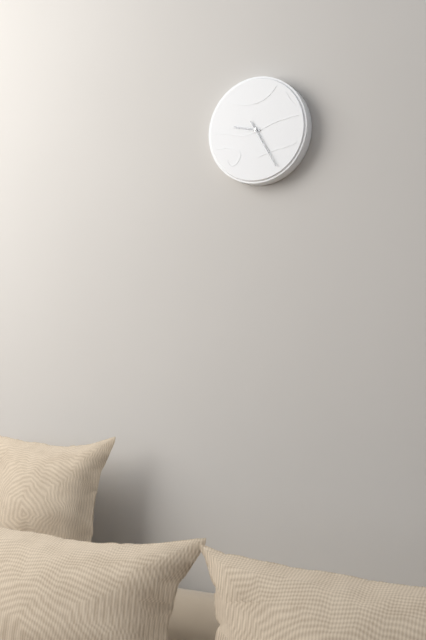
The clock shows 9:25
